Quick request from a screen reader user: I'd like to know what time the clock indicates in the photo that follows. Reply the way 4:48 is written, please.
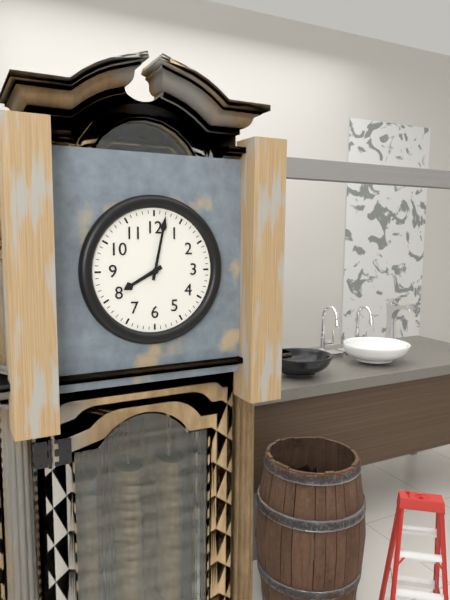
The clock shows 8:02
